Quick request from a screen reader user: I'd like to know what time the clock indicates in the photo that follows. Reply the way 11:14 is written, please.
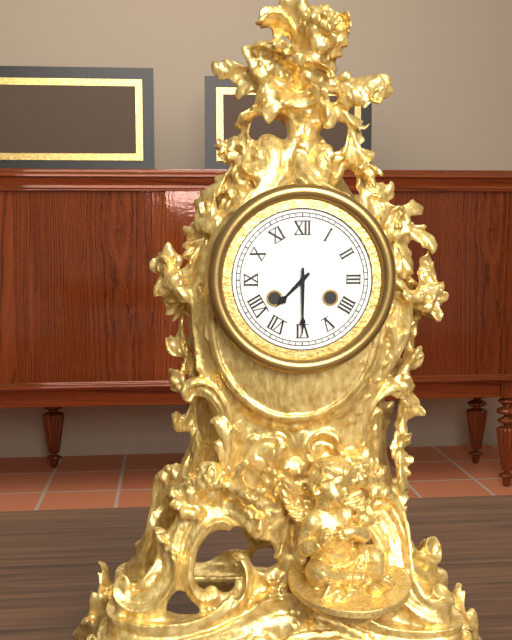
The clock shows 7:30
